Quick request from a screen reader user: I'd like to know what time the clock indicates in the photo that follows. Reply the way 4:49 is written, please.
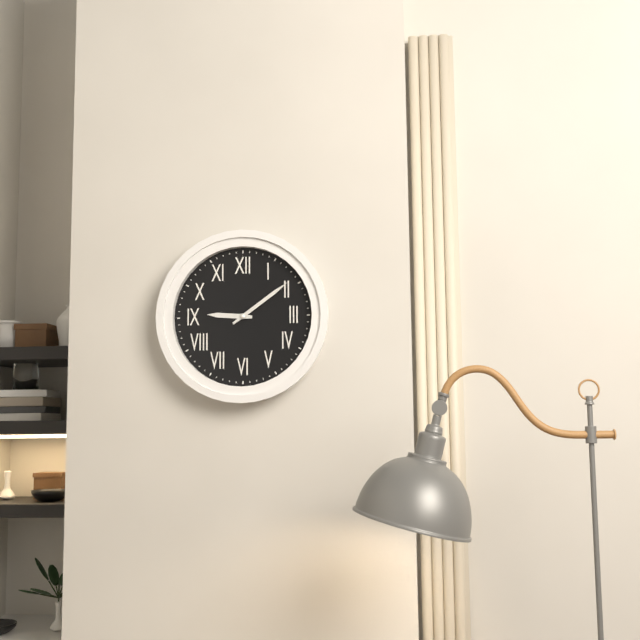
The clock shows 9:09
